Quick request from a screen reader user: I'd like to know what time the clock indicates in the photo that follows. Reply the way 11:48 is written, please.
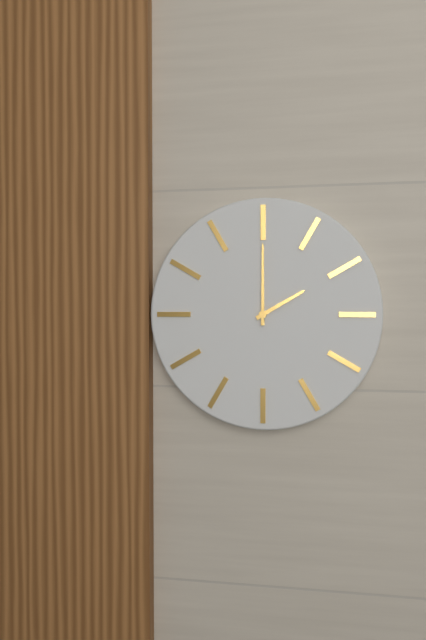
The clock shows 2:00
